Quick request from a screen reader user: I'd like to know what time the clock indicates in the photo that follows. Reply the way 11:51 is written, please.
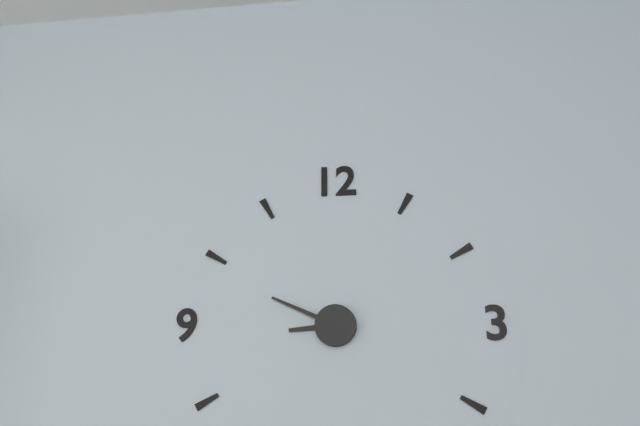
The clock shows 8:49
